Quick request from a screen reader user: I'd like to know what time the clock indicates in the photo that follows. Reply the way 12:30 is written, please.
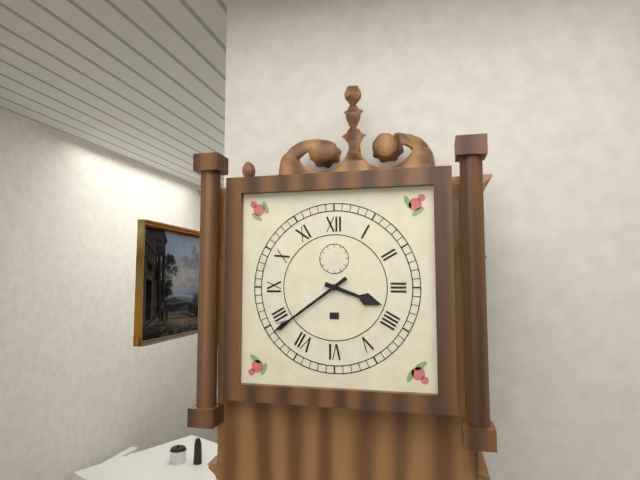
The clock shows 3:39
